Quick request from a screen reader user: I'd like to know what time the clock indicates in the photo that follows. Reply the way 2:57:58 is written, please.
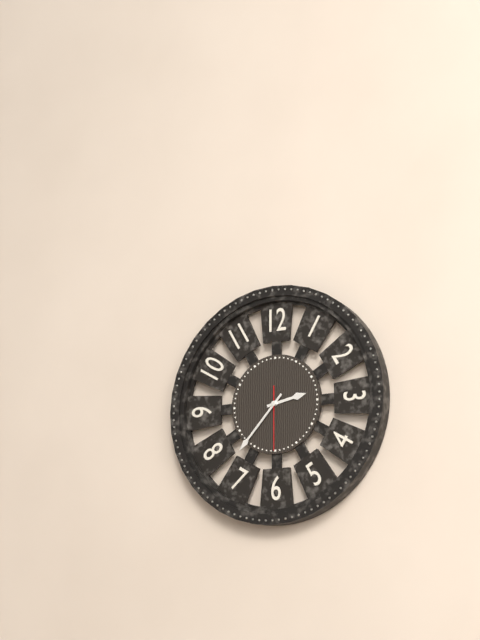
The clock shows 2:37:30
